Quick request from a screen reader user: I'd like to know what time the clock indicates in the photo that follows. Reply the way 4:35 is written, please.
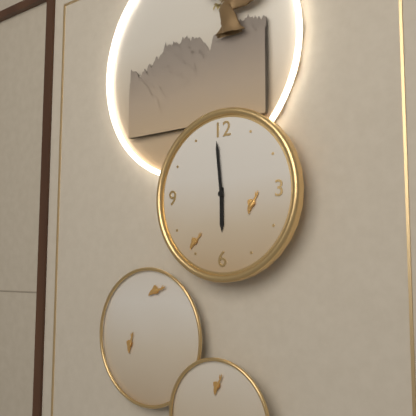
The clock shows 5:59
